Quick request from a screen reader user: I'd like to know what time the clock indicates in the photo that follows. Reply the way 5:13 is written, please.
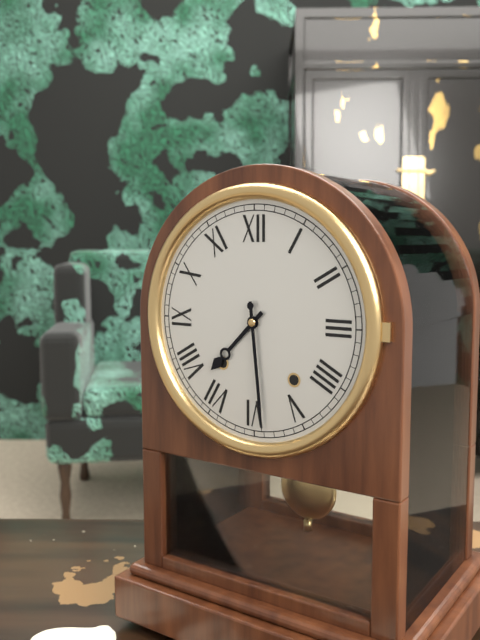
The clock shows 7:29
